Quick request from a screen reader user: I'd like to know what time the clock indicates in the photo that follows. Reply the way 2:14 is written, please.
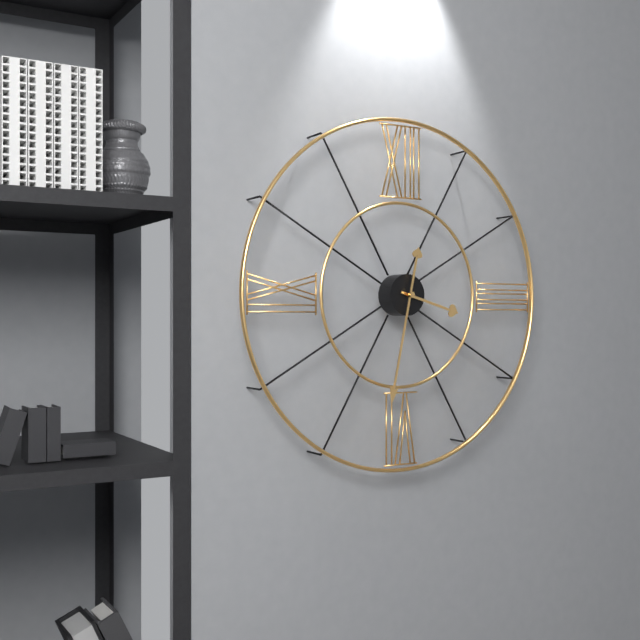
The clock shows 3:32
